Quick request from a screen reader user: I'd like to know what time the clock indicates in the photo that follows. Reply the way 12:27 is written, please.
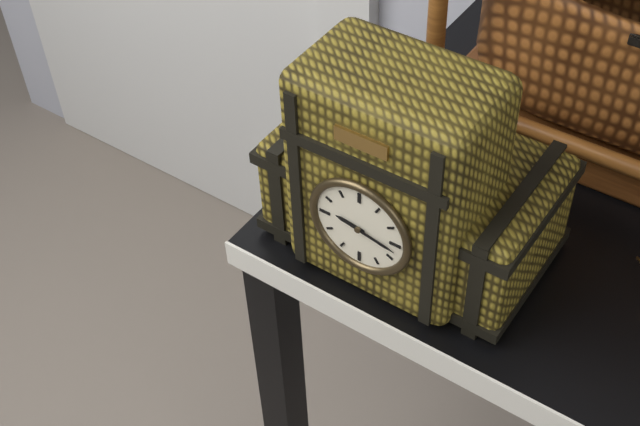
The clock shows 9:17
